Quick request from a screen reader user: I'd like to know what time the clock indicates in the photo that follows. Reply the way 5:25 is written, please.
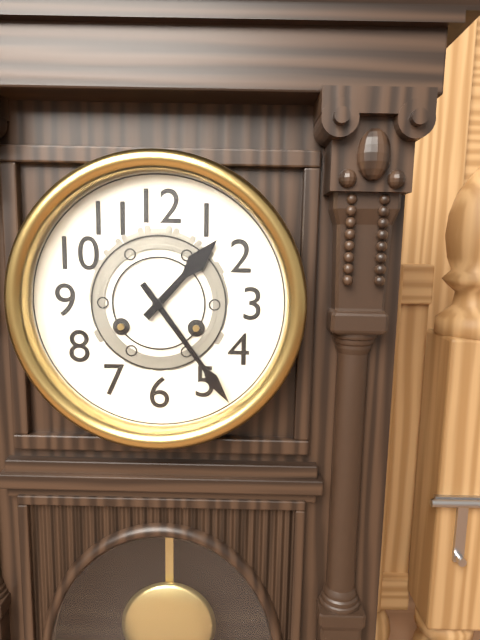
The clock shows 1:24
